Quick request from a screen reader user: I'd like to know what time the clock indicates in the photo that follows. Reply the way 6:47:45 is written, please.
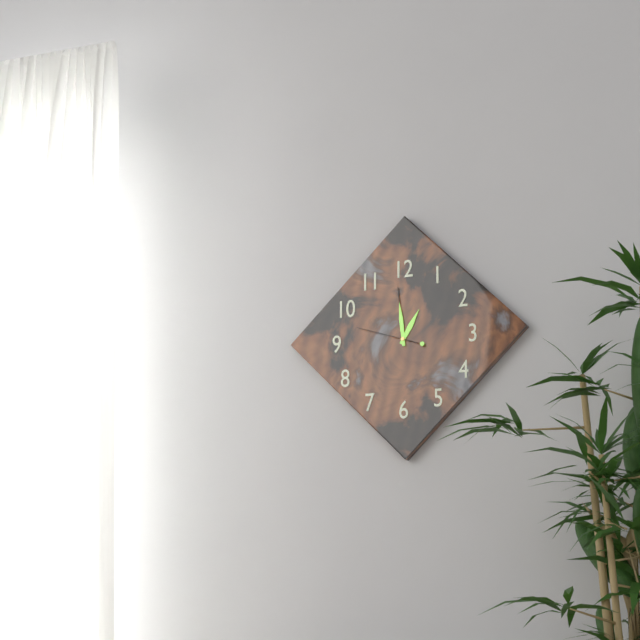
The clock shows 12:59:48
